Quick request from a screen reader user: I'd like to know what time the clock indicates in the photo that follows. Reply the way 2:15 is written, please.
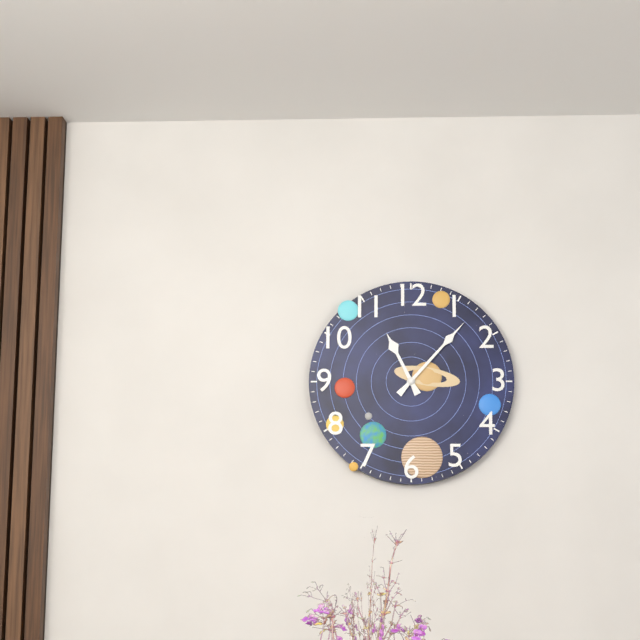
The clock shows 11:07
